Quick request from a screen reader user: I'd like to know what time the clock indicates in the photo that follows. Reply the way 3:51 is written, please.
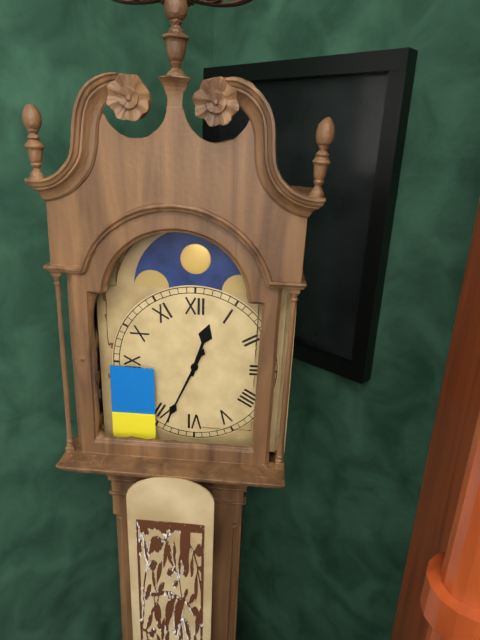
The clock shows 12:34
